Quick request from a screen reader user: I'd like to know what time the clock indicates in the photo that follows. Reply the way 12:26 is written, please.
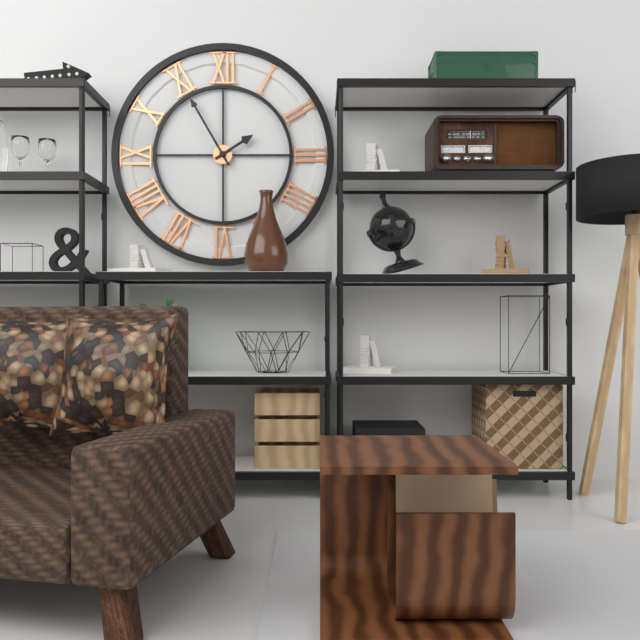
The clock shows 1:55
